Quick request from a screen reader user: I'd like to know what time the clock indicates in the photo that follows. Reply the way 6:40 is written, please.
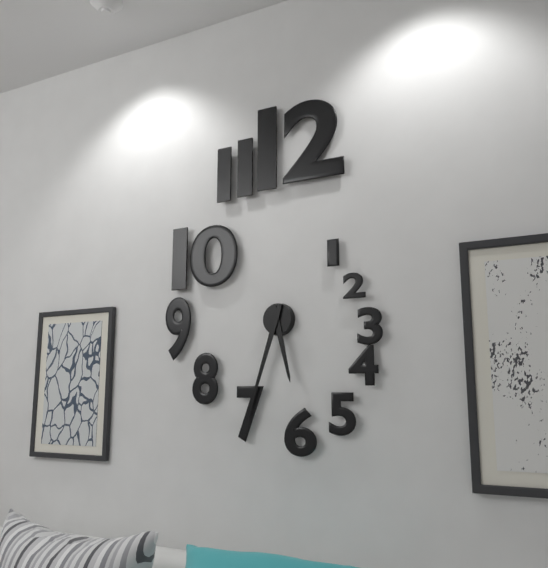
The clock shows 5:33
